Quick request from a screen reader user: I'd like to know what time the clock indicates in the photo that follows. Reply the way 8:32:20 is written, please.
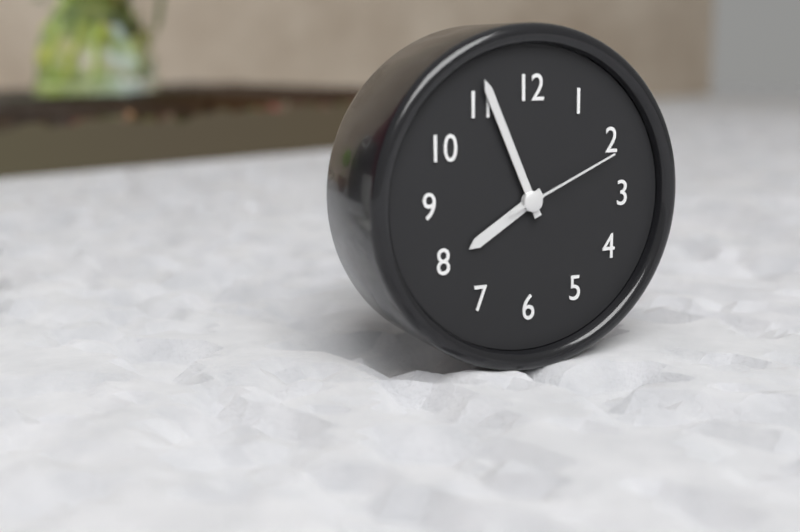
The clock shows 7:56:11
